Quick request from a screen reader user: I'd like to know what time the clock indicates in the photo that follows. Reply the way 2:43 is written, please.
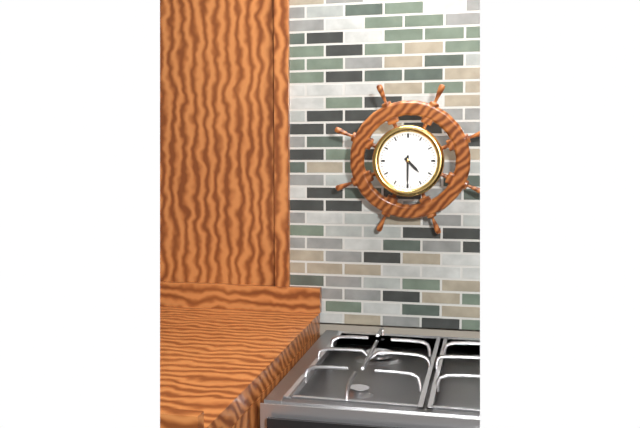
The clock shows 4:30
